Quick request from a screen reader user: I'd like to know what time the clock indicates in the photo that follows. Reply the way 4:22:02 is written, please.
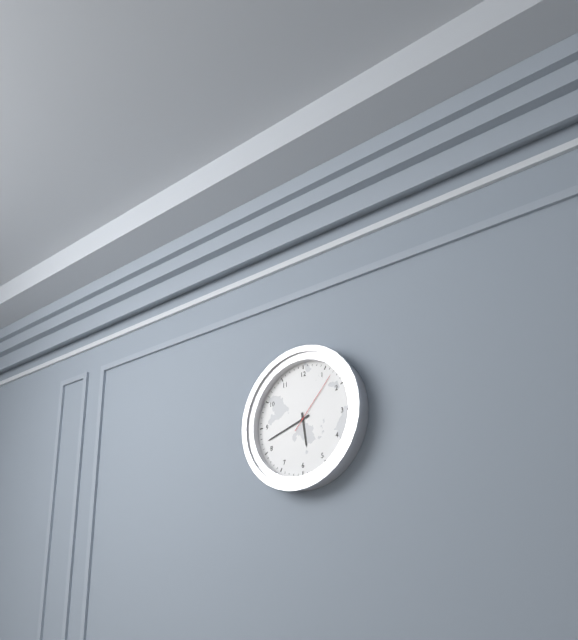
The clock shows 5:42:07
